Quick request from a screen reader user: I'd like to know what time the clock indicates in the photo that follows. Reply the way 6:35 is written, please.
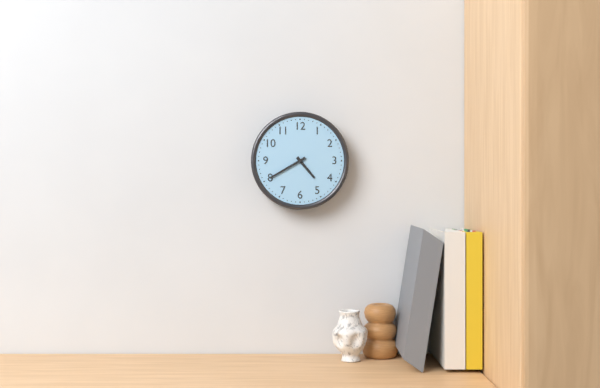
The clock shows 4:40
